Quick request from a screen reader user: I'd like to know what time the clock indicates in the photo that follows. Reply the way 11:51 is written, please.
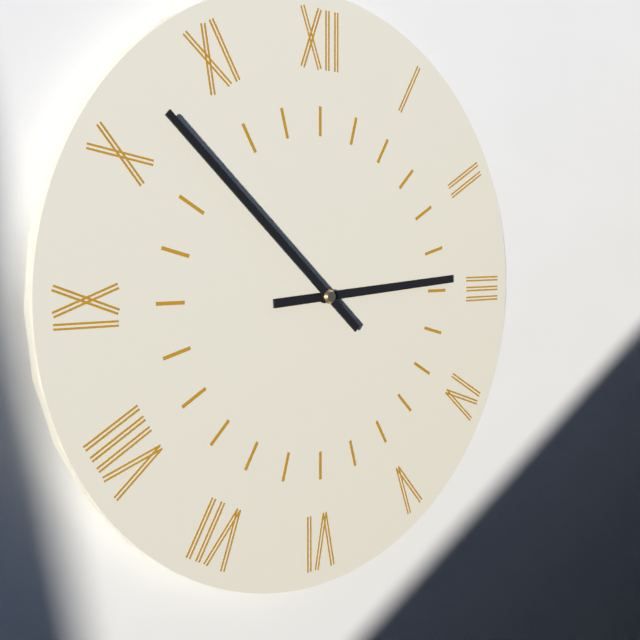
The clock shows 2:52
